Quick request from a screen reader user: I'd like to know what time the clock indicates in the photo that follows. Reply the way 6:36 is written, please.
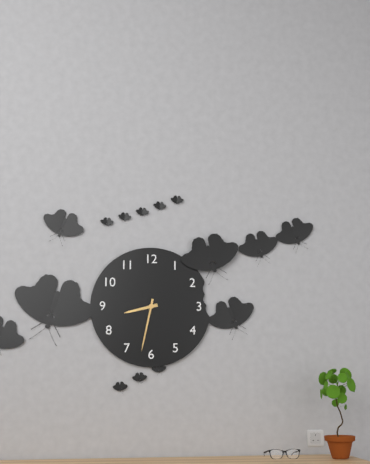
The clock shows 8:32
